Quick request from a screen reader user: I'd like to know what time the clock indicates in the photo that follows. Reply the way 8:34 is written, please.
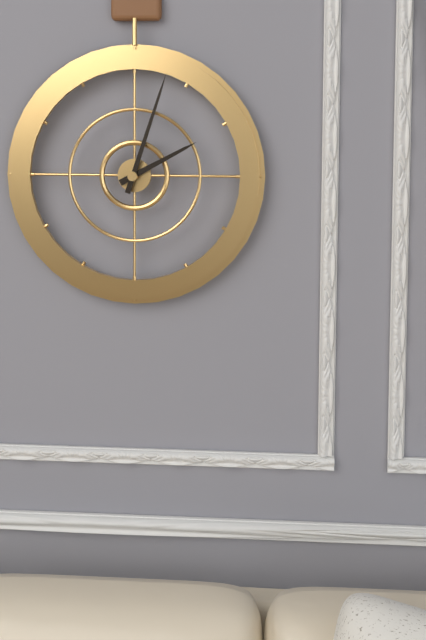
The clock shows 2:03
